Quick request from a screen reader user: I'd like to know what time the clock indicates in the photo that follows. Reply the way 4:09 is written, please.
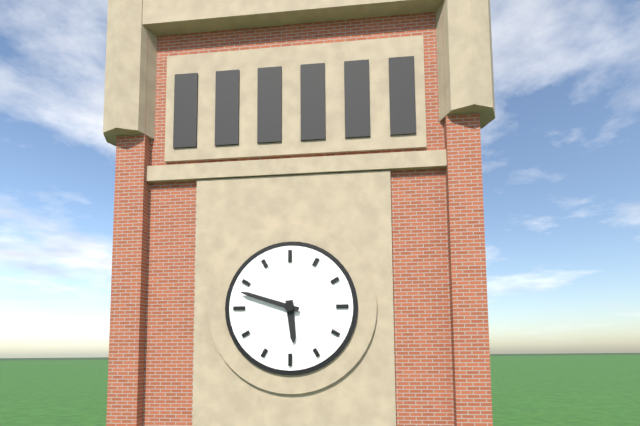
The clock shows 5:48
